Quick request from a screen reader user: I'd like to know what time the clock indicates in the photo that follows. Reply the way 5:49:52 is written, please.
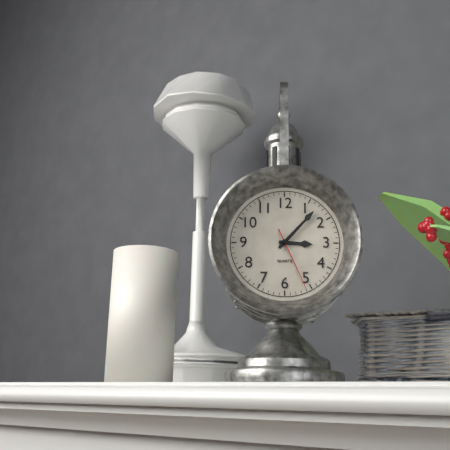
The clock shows 3:07:26
